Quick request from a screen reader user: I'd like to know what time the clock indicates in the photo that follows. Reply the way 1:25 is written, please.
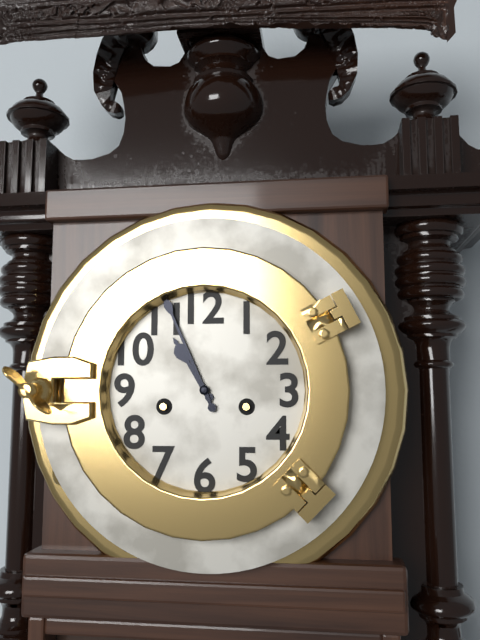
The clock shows 10:56
